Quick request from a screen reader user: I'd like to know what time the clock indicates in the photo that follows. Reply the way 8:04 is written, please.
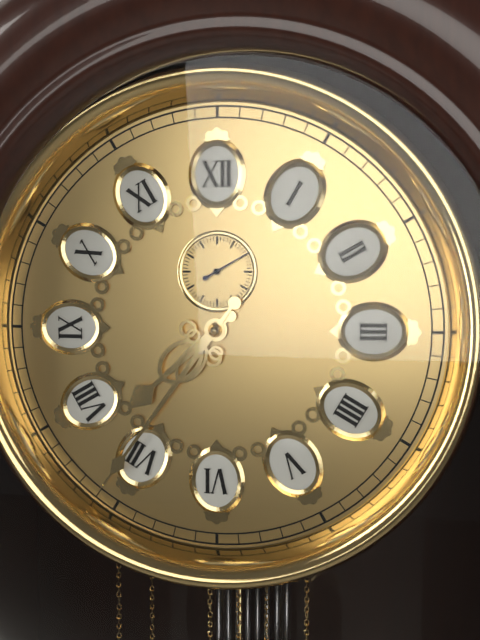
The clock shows 7:36
